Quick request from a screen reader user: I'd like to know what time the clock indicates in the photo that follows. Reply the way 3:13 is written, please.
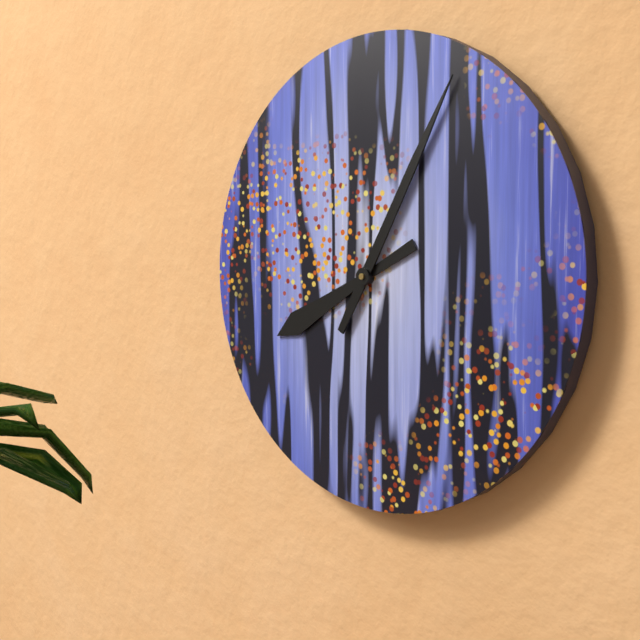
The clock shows 8:05
